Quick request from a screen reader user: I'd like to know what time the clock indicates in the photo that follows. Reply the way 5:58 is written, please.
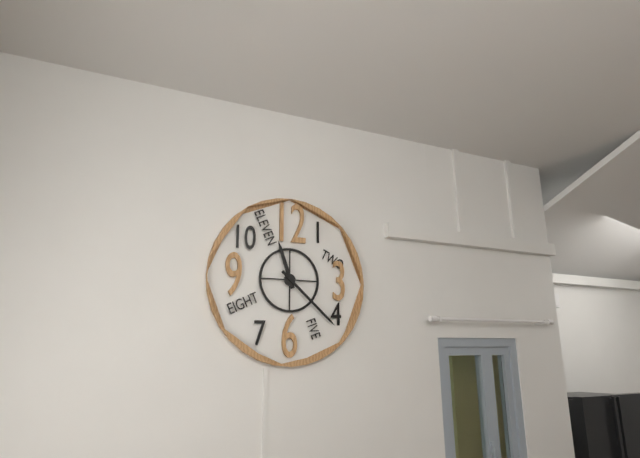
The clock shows 11:22
